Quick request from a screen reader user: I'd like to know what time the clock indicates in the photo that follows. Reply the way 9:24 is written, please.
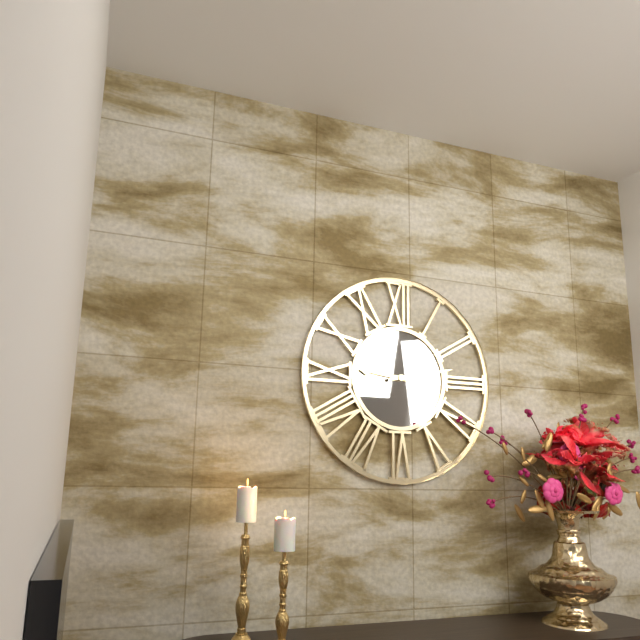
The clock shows 9:13
